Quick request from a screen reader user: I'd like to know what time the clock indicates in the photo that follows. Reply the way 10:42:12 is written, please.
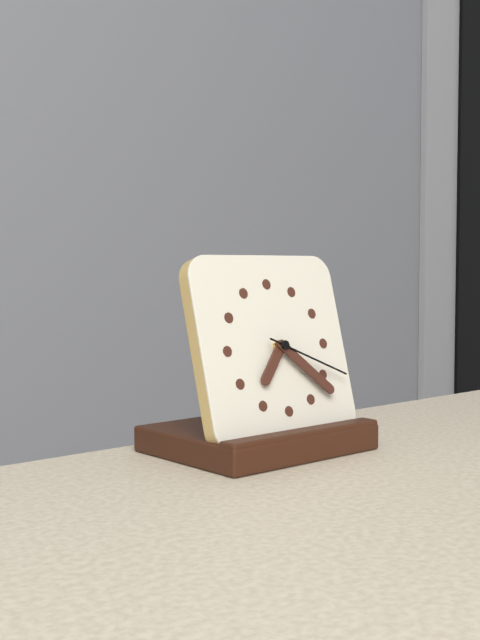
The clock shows 7:22:19
